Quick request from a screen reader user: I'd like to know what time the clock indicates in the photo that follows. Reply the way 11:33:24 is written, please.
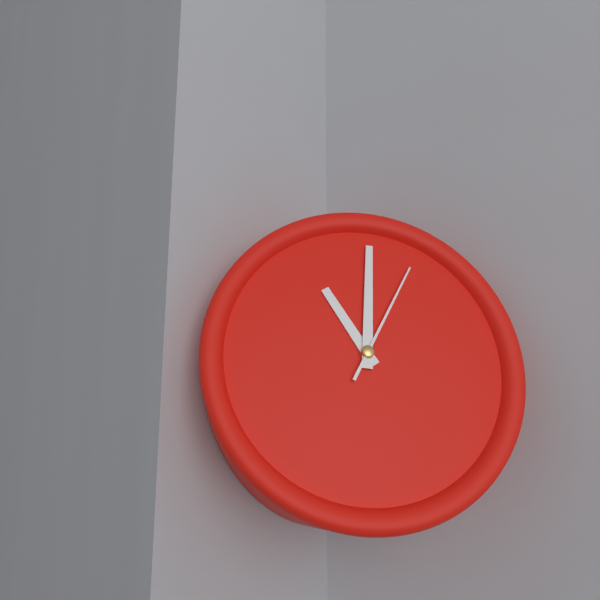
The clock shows 11:01:05
